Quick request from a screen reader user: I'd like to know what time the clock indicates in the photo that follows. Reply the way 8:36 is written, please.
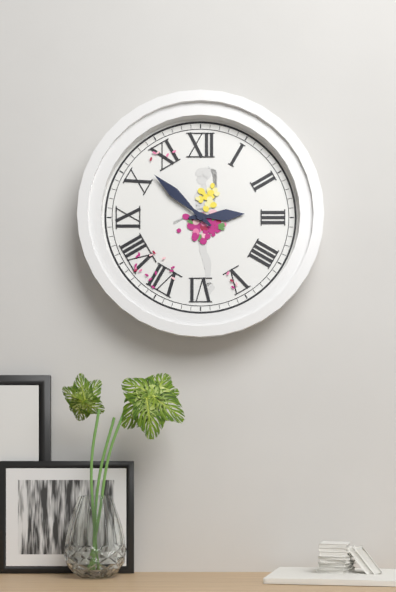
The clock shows 2:52
